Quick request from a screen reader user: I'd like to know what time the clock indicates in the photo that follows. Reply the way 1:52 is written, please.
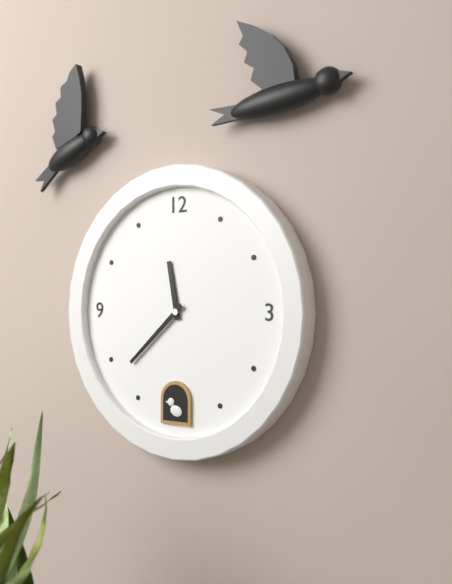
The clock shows 11:38
